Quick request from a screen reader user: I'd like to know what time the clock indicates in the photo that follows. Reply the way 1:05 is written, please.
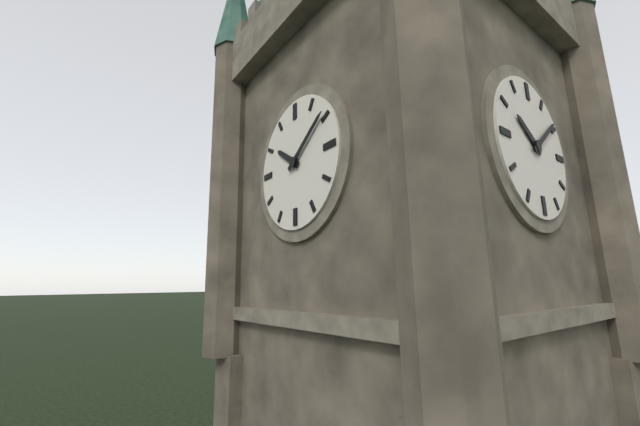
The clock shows 10:09
